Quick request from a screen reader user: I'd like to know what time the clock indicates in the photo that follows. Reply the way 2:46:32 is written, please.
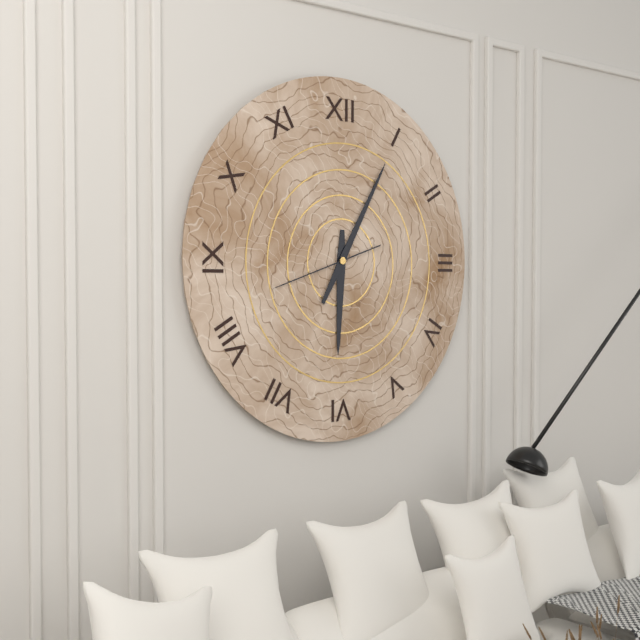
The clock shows 6:05:42
